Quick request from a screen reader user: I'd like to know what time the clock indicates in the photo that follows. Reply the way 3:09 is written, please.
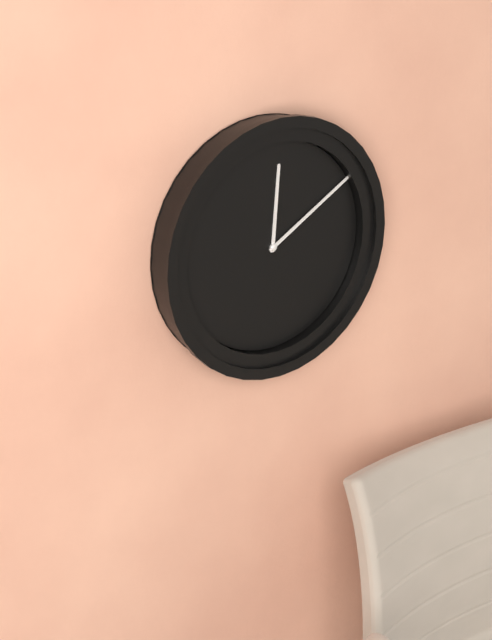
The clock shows 12:10
